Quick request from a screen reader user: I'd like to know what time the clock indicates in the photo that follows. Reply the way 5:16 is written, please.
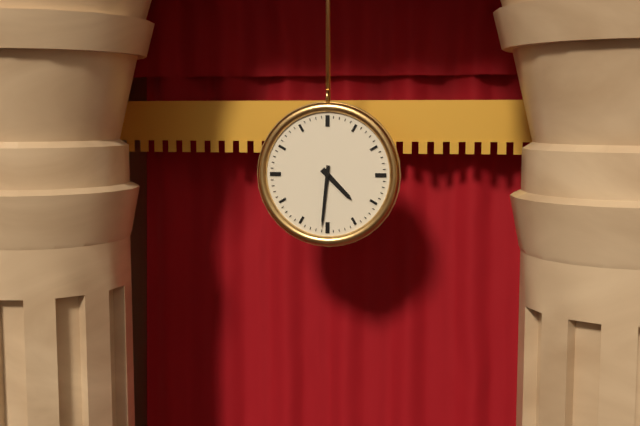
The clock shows 4:31
